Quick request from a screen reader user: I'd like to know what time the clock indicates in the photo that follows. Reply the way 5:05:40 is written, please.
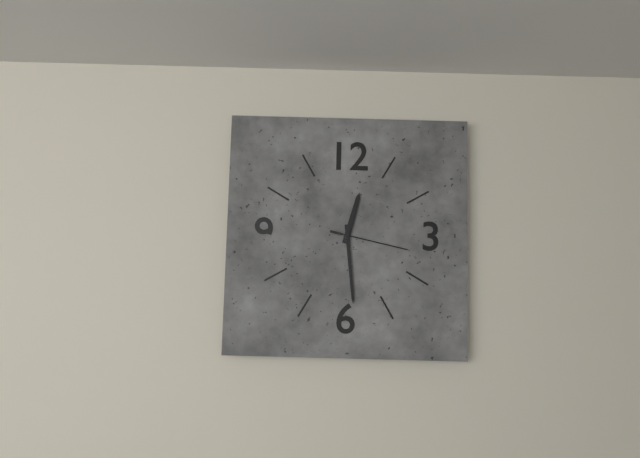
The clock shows 12:29:17
